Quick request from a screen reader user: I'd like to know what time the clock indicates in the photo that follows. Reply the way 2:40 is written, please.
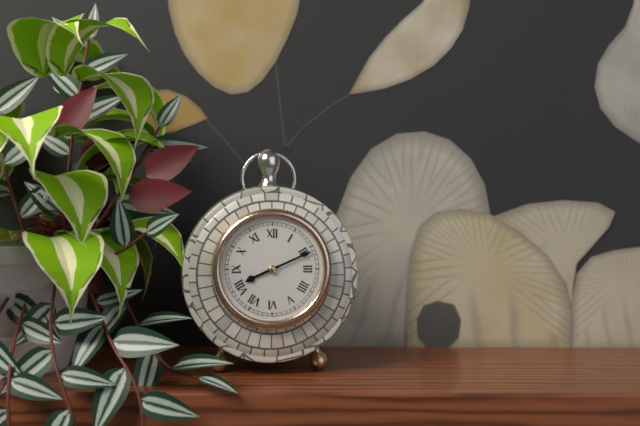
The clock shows 8:11
